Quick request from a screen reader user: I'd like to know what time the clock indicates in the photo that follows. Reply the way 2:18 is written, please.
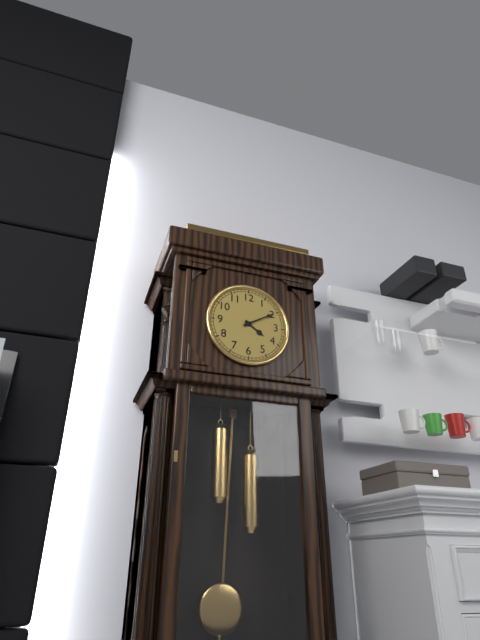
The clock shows 4:10
